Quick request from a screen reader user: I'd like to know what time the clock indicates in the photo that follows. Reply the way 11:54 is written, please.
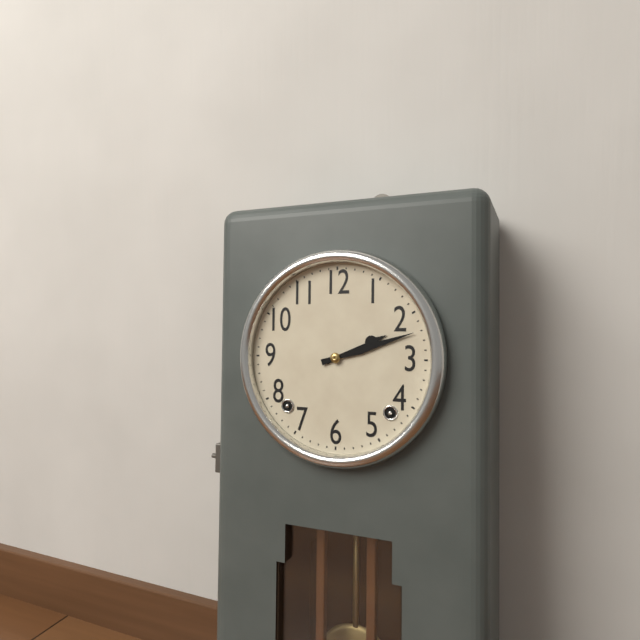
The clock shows 2:12
